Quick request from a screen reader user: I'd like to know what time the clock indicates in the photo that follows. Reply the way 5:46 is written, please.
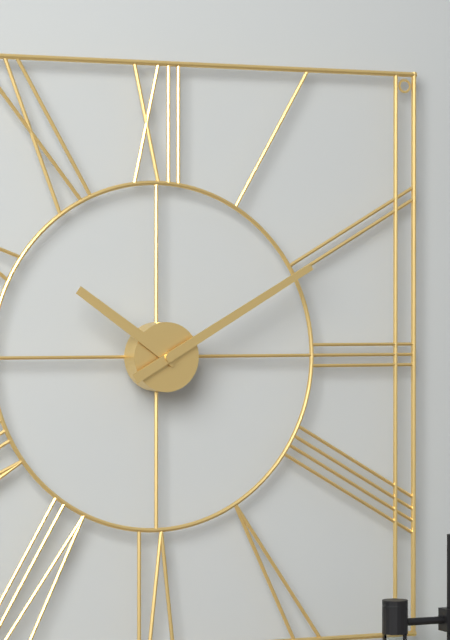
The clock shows 10:10
